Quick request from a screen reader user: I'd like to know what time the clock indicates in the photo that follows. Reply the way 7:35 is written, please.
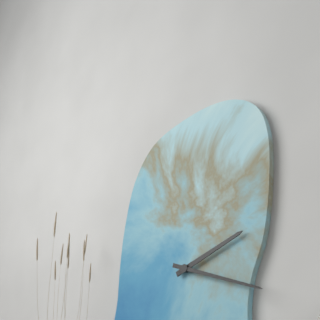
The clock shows 2:18
